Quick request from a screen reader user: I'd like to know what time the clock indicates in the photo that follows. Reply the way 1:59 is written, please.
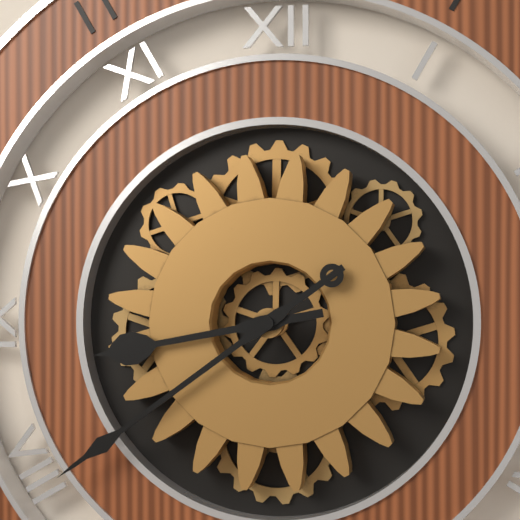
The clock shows 8:39
